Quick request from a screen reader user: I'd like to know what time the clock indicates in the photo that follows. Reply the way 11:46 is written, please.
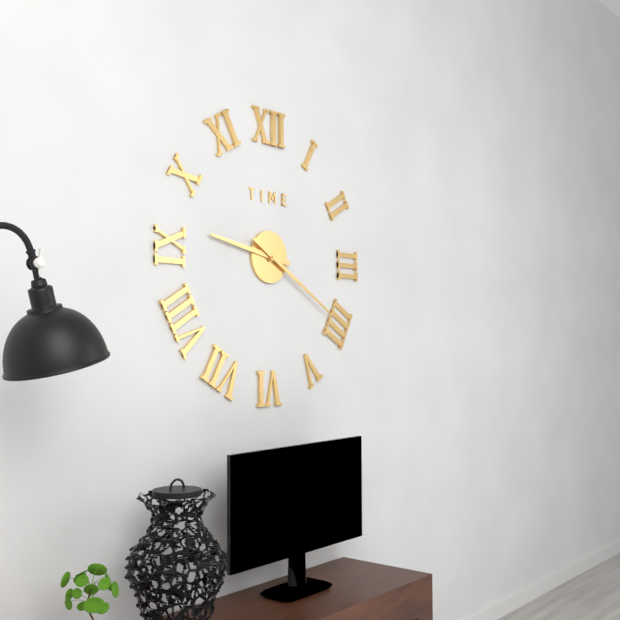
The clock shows 9:20
